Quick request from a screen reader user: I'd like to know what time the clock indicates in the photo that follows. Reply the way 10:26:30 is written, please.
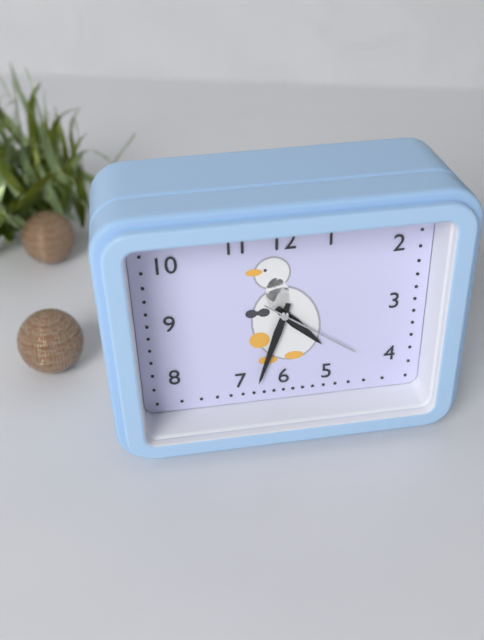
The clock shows 4:33:21
